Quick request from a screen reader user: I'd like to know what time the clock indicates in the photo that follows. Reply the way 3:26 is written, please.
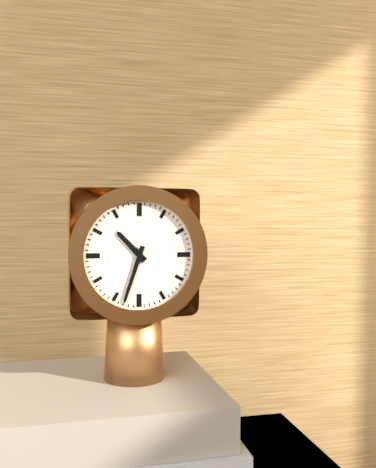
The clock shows 10:33
